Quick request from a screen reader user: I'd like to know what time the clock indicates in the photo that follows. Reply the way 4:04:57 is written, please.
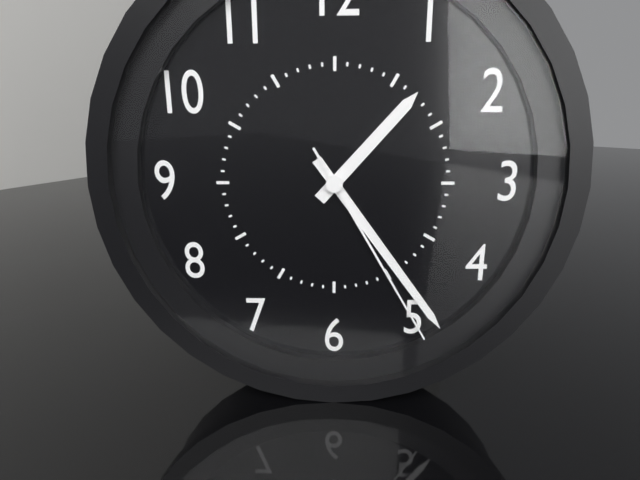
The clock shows 1:24:25
